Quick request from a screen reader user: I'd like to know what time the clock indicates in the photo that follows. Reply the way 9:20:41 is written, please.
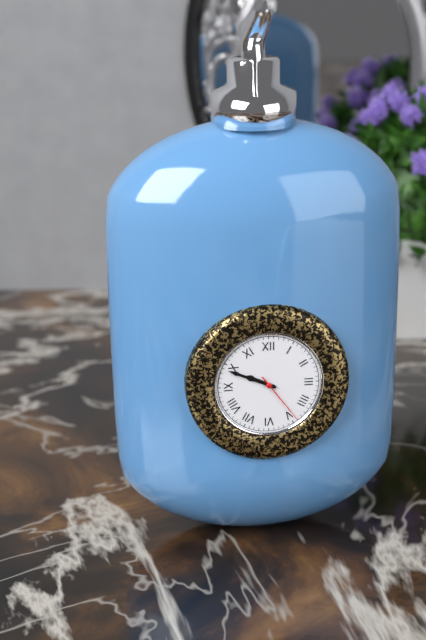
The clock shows 9:49:24
